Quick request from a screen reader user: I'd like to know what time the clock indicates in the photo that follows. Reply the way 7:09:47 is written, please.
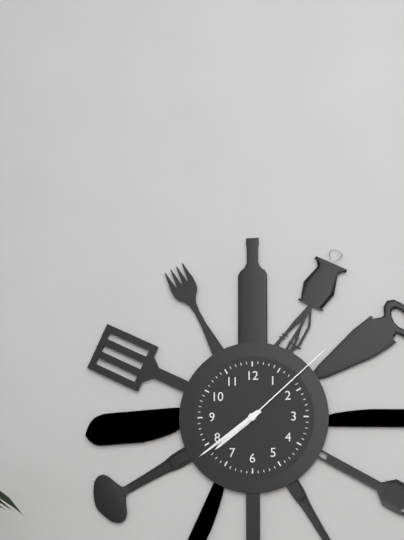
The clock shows 7:39:08
